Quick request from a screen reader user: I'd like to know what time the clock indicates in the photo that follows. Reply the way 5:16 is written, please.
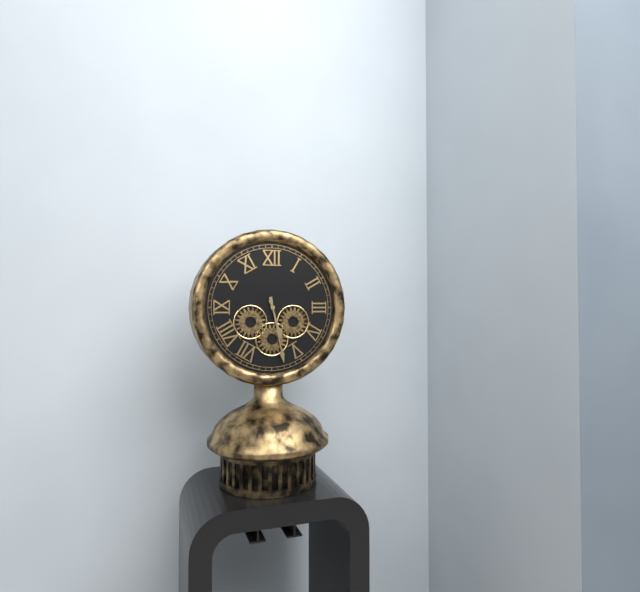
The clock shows 5:28
